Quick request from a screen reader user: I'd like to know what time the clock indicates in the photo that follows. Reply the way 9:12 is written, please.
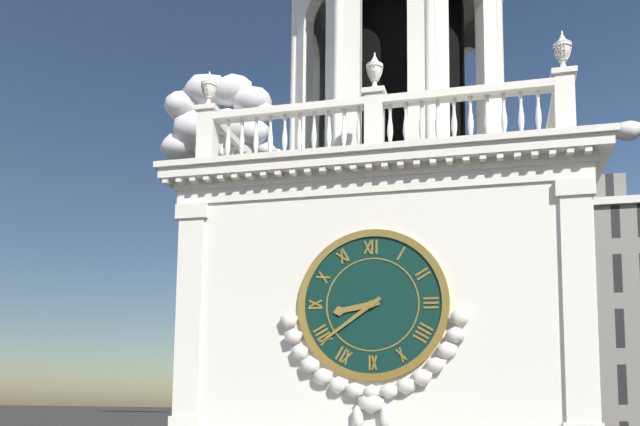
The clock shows 8:39
